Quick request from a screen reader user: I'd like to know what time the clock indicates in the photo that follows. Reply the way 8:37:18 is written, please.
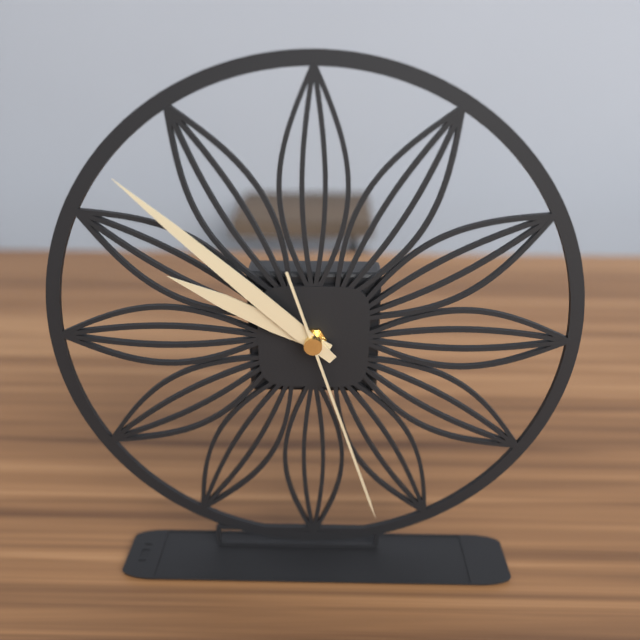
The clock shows 9:52:27
